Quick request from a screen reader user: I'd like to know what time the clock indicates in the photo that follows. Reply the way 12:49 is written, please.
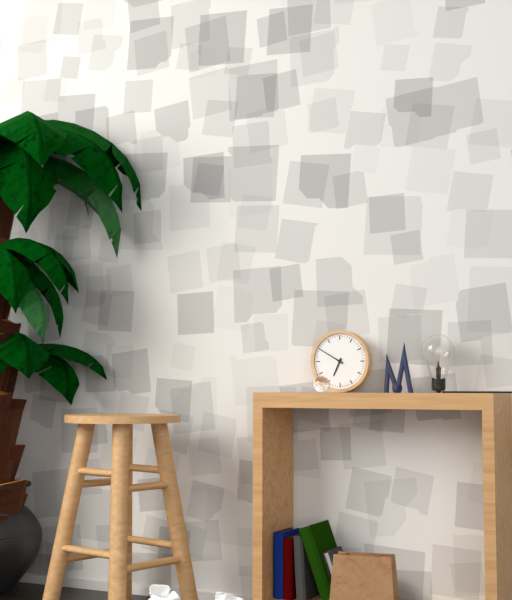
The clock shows 6:50
